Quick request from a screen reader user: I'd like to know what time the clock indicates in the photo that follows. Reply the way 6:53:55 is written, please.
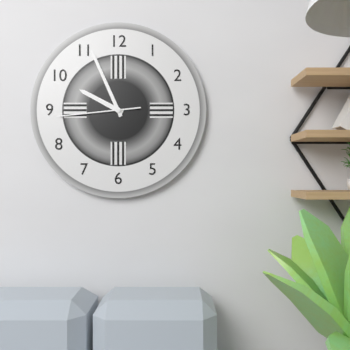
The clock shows 9:56:44
